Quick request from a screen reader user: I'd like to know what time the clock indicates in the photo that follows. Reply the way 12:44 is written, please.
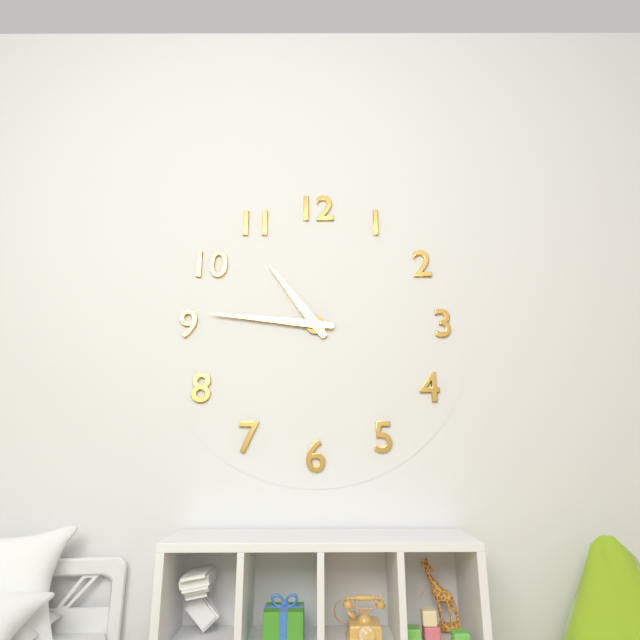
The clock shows 10:46
